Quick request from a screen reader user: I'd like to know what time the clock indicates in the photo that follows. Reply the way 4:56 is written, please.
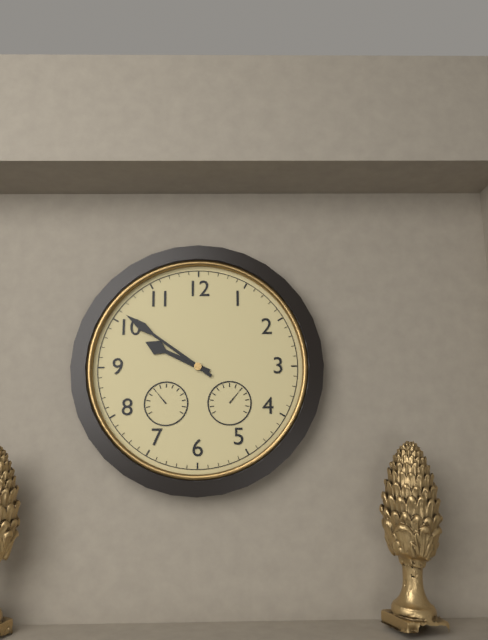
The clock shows 9:51
